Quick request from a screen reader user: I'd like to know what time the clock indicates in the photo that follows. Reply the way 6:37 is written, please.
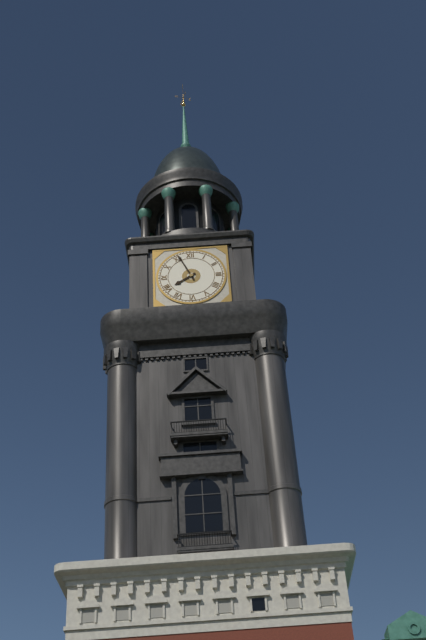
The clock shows 7:56
